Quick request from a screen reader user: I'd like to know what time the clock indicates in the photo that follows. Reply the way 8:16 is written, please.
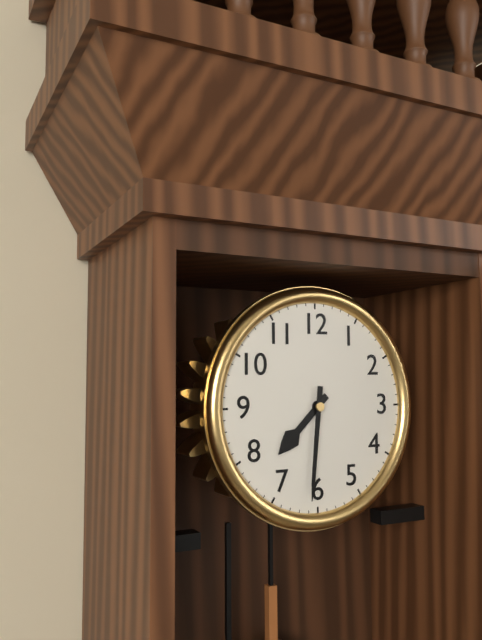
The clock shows 7:31
